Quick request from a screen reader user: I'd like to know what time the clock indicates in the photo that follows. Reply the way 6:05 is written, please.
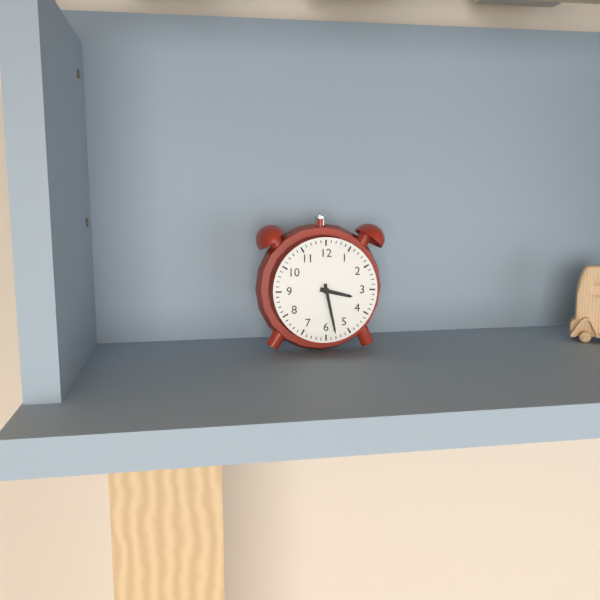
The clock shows 3:28
